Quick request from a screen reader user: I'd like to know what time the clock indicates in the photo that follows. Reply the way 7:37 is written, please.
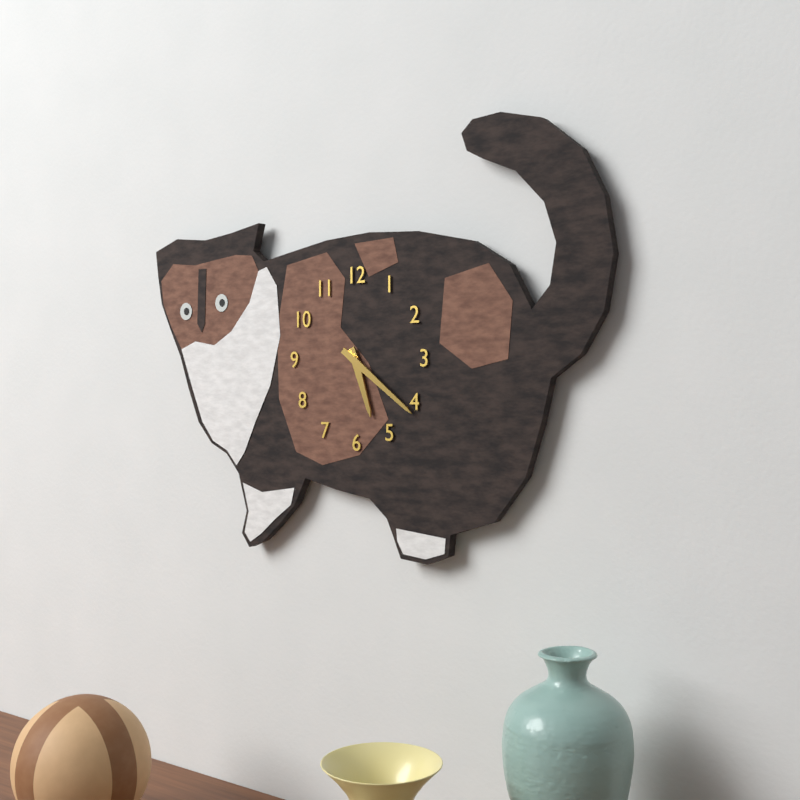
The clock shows 5:21
